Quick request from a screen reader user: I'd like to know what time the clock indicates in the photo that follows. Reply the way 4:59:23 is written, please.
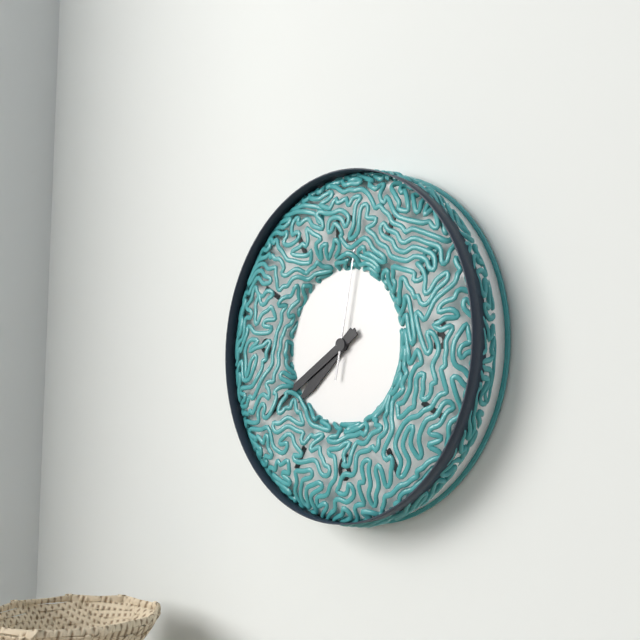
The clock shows 7:40:02
